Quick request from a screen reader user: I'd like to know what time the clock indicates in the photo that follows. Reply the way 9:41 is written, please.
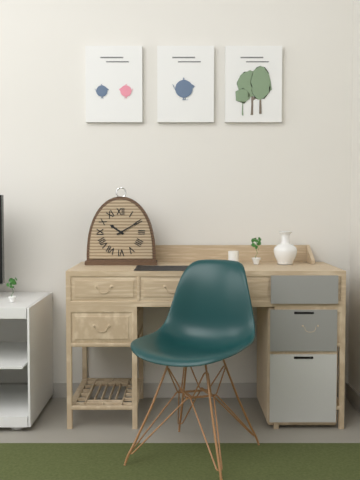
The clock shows 10:10
